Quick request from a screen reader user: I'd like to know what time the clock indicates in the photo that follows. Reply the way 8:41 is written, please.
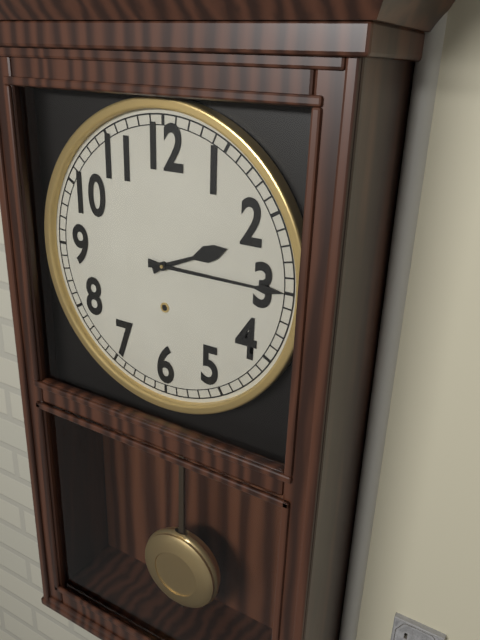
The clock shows 2:15
